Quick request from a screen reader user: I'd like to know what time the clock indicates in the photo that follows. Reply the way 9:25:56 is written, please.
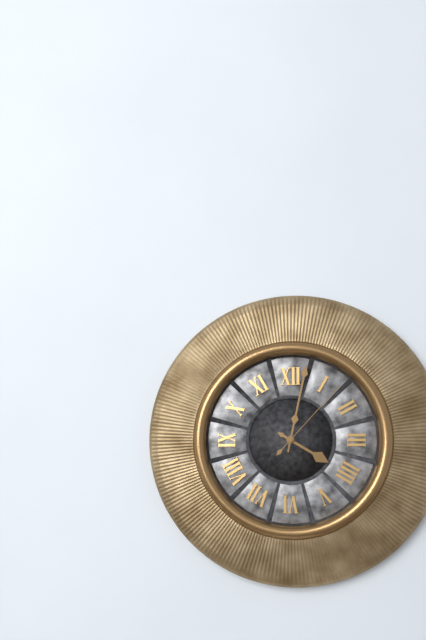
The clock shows 4:02:07
